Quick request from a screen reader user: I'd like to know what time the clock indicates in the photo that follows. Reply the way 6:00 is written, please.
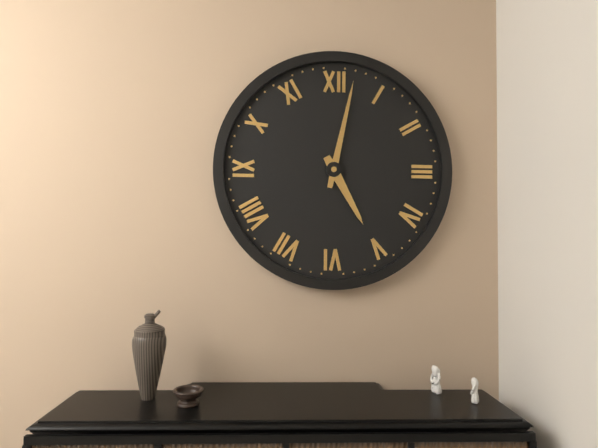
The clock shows 5:02
